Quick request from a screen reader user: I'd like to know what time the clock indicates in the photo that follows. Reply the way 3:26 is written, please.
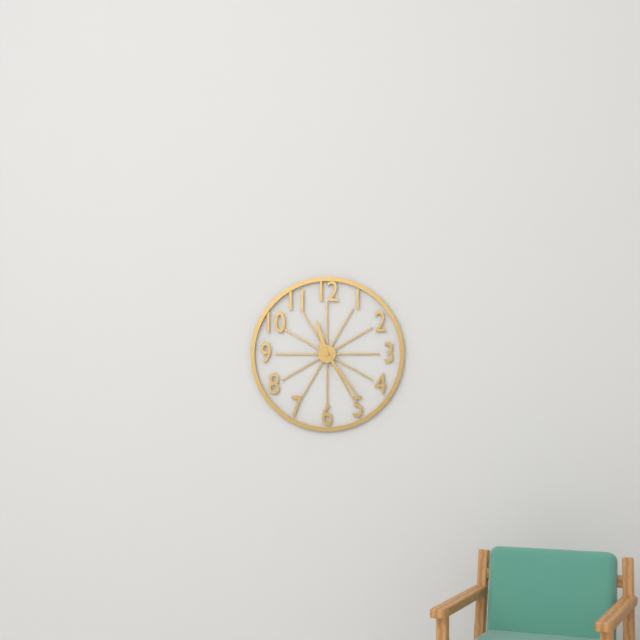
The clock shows 11:24
